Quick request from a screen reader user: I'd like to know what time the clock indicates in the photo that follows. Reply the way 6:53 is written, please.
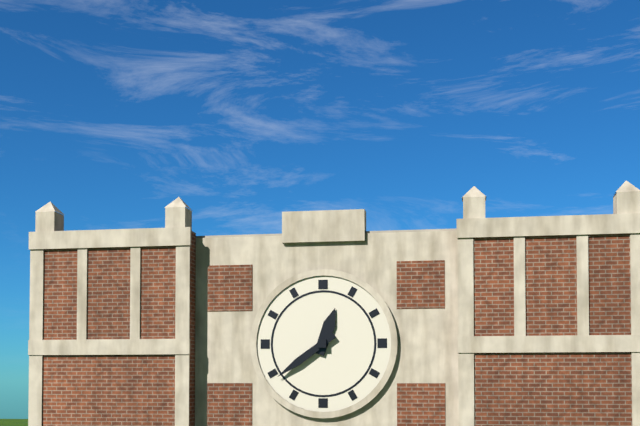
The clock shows 12:39
